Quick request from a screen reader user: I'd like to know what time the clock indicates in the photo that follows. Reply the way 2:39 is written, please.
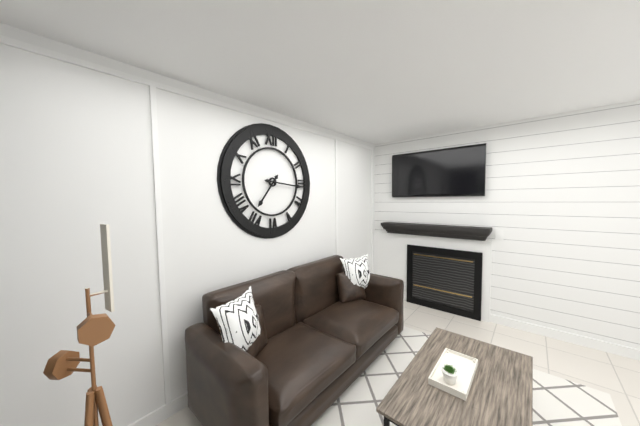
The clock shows 7:16
